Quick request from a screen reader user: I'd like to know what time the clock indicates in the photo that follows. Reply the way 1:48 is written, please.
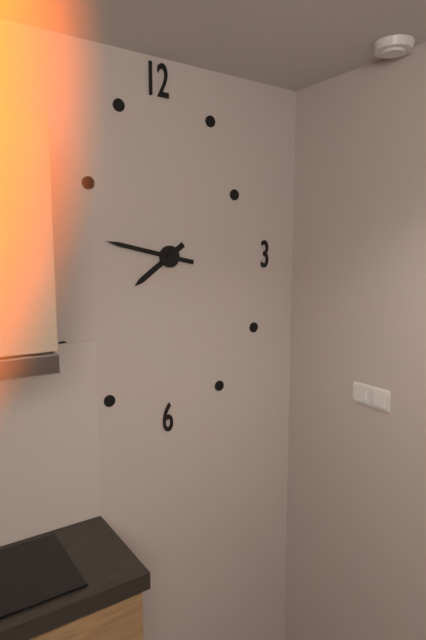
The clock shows 7:47
